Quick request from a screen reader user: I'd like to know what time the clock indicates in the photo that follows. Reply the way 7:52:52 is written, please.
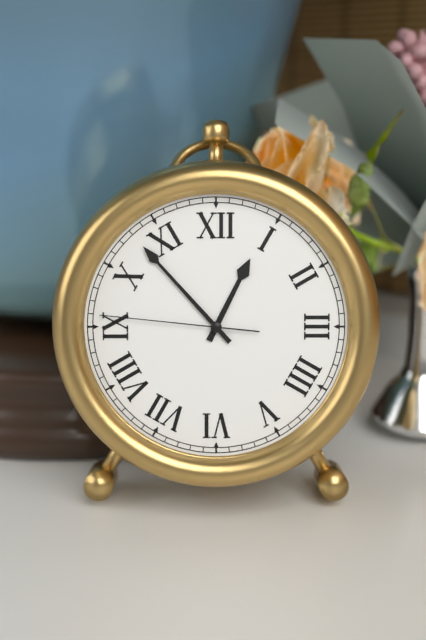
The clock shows 12:53:46
